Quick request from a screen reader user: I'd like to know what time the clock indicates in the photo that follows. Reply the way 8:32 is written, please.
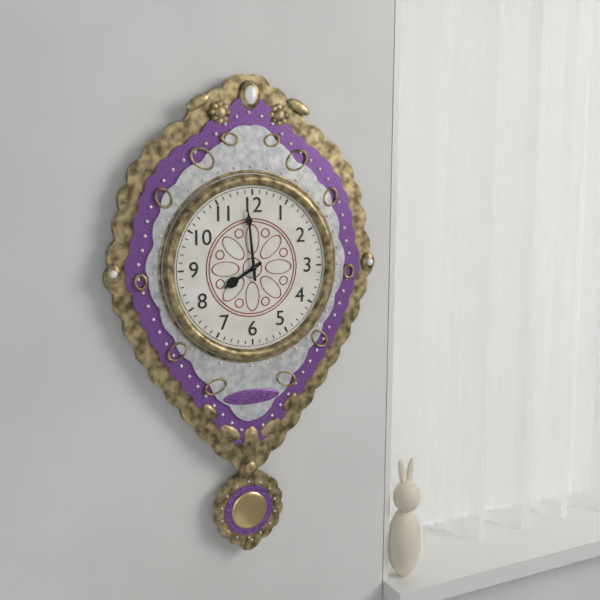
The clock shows 7:59
